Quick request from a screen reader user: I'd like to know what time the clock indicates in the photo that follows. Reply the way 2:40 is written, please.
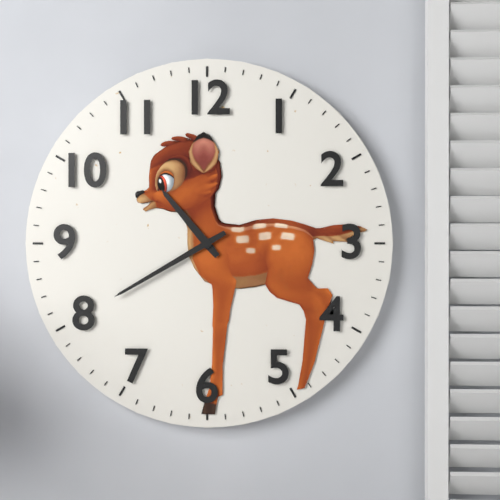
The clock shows 10:40
